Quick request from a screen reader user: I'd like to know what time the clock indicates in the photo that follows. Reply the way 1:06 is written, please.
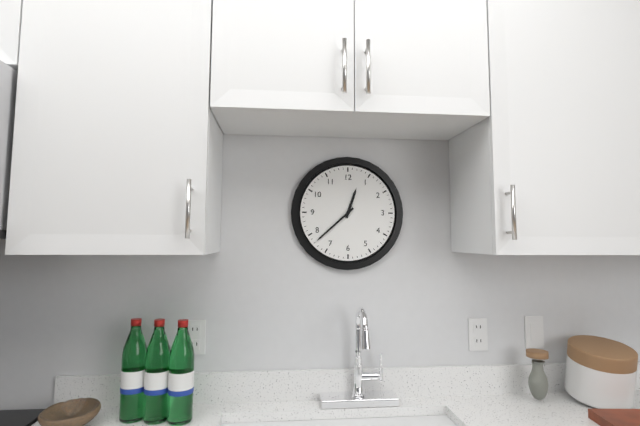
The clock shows 12:38
